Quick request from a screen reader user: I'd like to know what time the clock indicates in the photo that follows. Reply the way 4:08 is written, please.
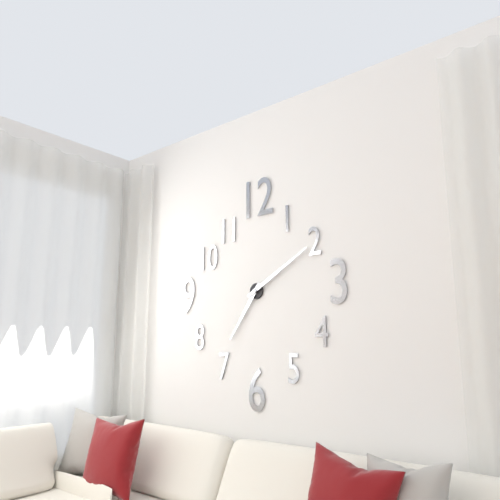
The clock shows 7:10
